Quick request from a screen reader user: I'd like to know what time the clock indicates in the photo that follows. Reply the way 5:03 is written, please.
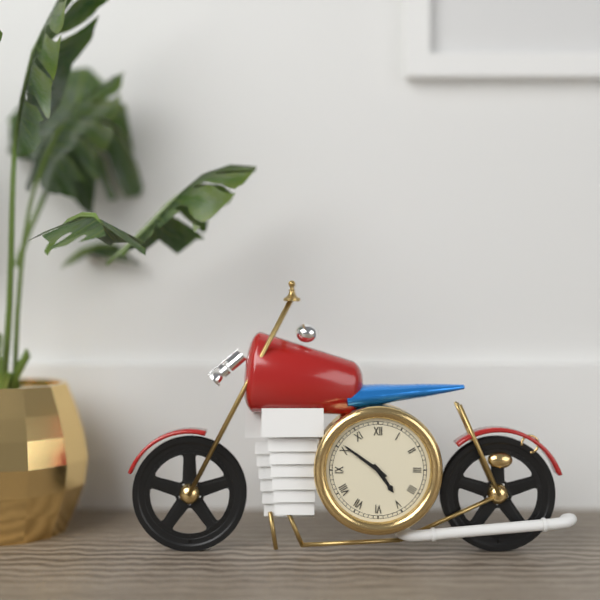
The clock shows 4:51
